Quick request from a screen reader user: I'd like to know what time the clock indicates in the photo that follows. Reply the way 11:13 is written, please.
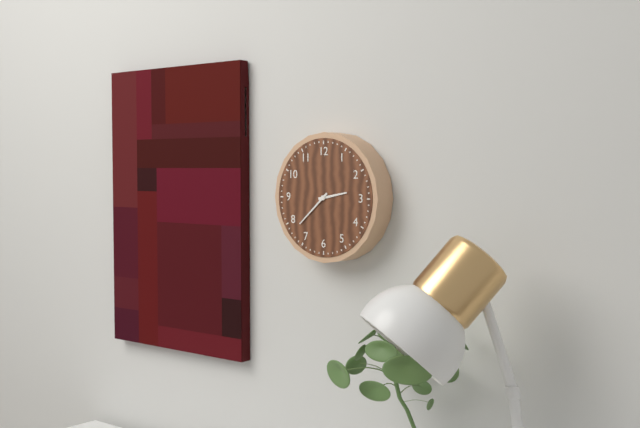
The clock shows 2:38
